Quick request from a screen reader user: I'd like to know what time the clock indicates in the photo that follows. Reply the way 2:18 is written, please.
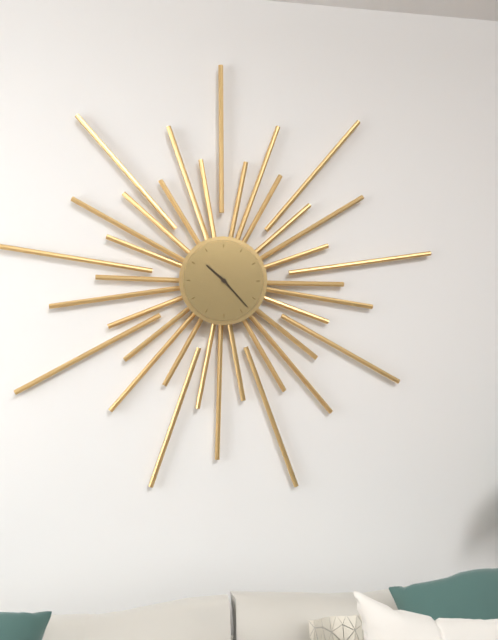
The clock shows 10:23
